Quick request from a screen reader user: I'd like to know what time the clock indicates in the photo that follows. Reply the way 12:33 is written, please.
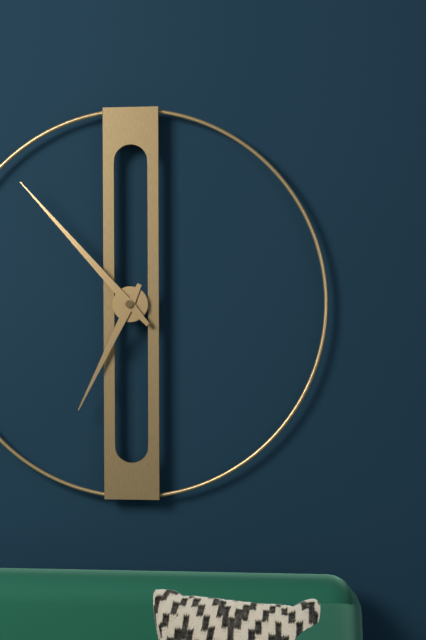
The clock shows 6:53
